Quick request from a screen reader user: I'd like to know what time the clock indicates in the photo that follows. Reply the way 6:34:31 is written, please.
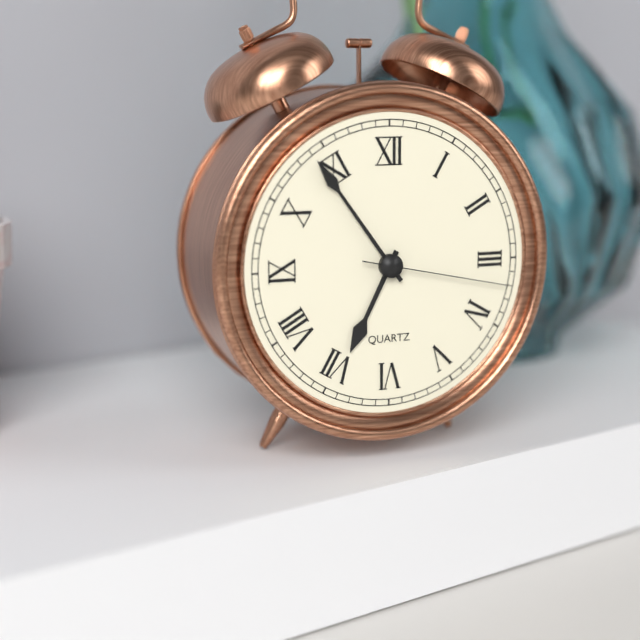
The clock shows 6:54:17
